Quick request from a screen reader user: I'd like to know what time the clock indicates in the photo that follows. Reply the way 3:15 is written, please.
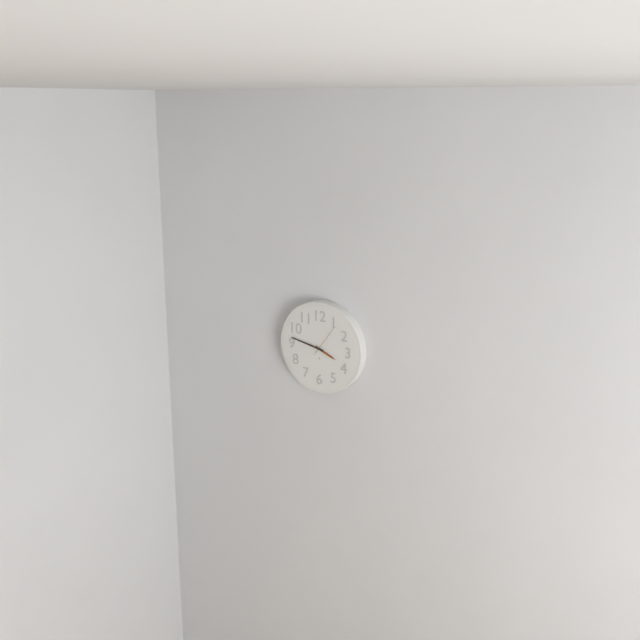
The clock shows 3:47
